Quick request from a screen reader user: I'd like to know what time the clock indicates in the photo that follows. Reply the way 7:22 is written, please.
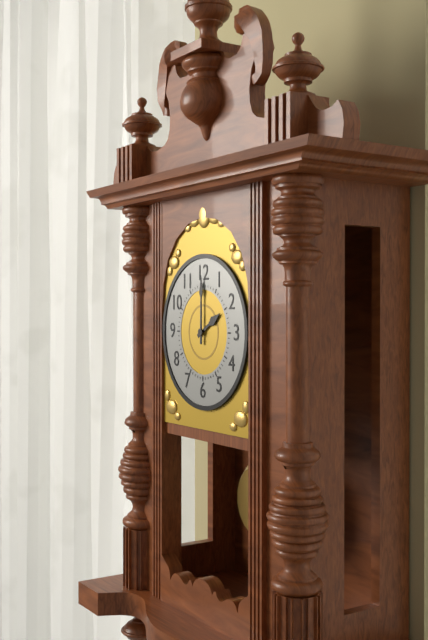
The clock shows 2:00
